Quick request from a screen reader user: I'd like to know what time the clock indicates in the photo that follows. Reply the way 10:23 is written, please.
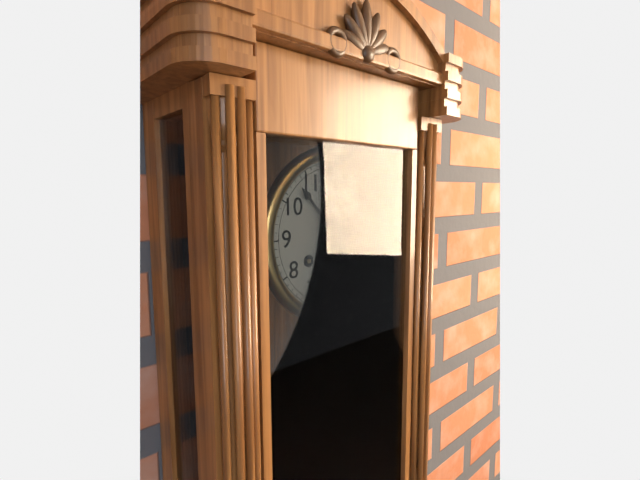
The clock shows 5:53
